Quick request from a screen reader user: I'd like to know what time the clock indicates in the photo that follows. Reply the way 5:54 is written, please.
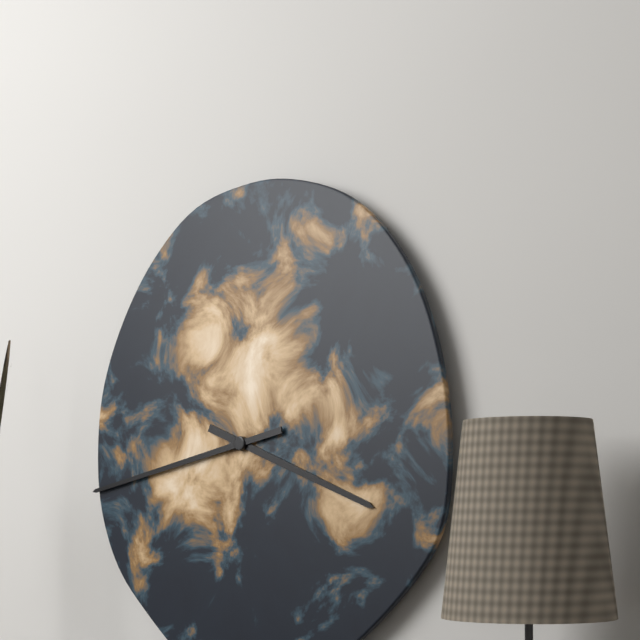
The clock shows 3:43
